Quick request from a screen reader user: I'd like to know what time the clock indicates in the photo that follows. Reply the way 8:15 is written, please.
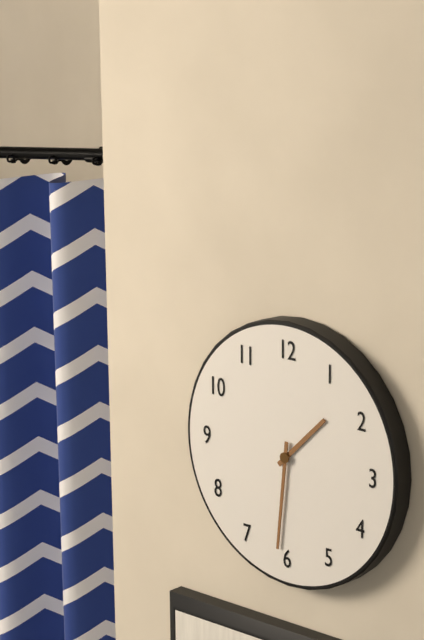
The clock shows 1:31
